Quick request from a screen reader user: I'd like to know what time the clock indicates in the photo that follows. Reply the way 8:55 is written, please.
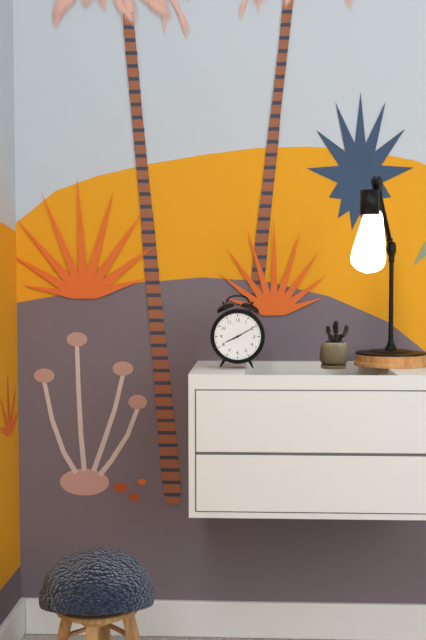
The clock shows 8:10
